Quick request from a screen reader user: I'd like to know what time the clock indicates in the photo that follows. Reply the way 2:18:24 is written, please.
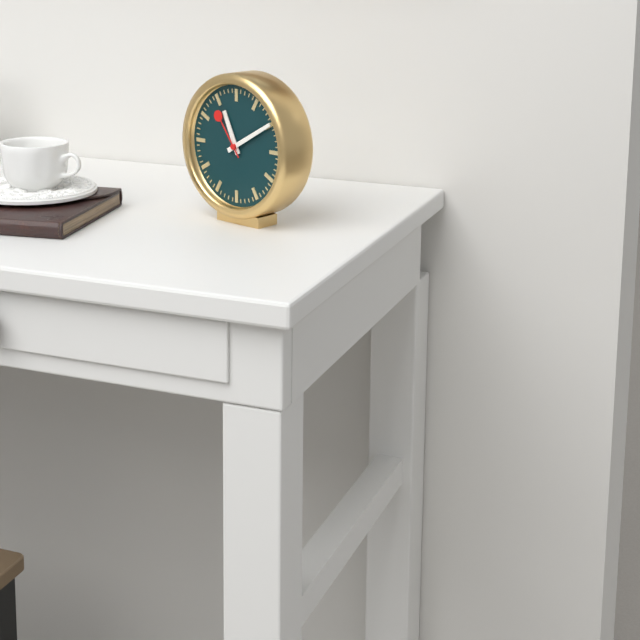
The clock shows 11:10:54
